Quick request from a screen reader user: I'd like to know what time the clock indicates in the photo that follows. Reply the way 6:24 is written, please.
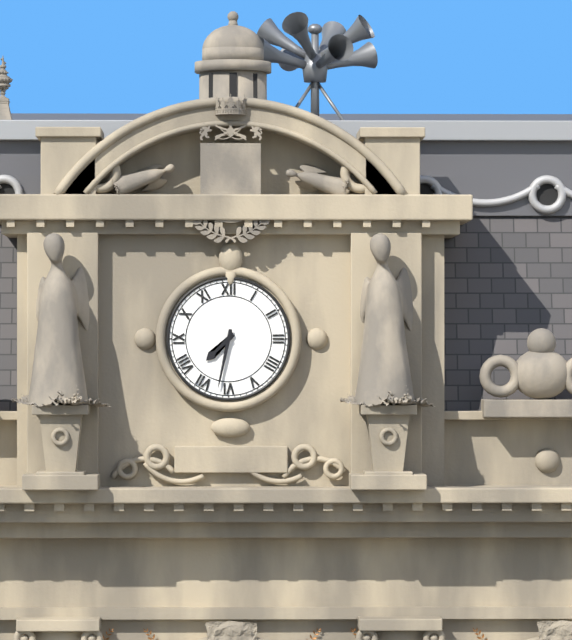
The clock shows 7:32
